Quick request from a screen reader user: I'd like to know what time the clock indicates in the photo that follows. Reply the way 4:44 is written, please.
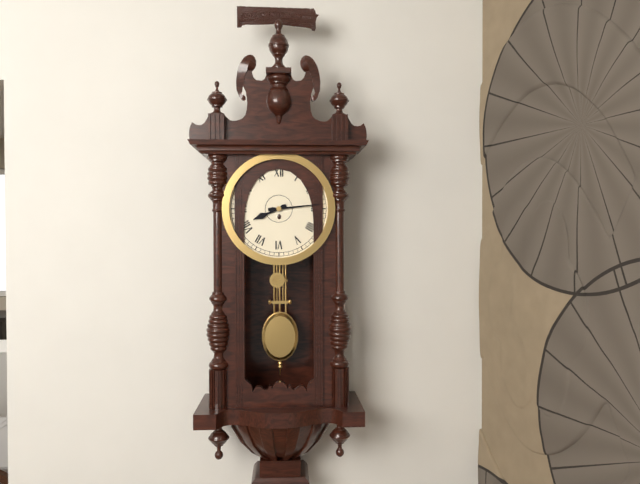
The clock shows 8:14
